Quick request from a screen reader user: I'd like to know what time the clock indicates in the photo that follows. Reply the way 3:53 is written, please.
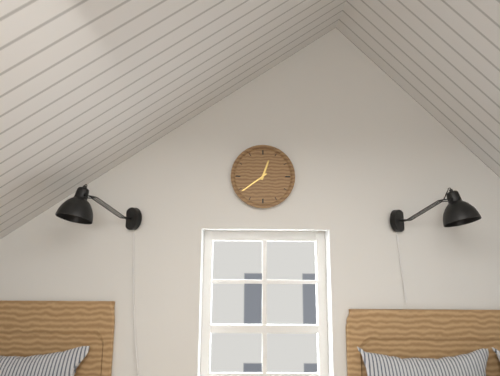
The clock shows 12:39
